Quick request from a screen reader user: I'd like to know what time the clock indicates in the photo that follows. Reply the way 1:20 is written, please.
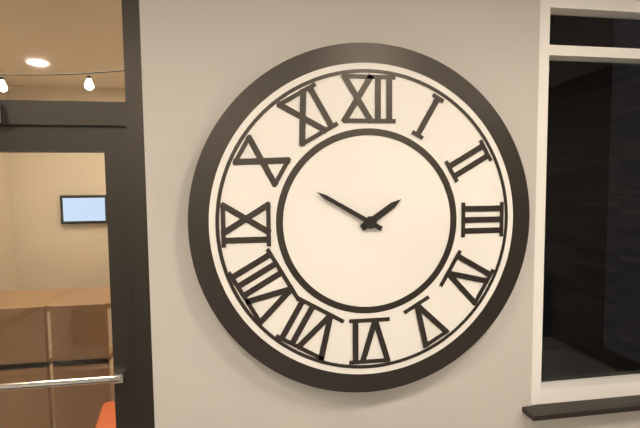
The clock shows 1:50
